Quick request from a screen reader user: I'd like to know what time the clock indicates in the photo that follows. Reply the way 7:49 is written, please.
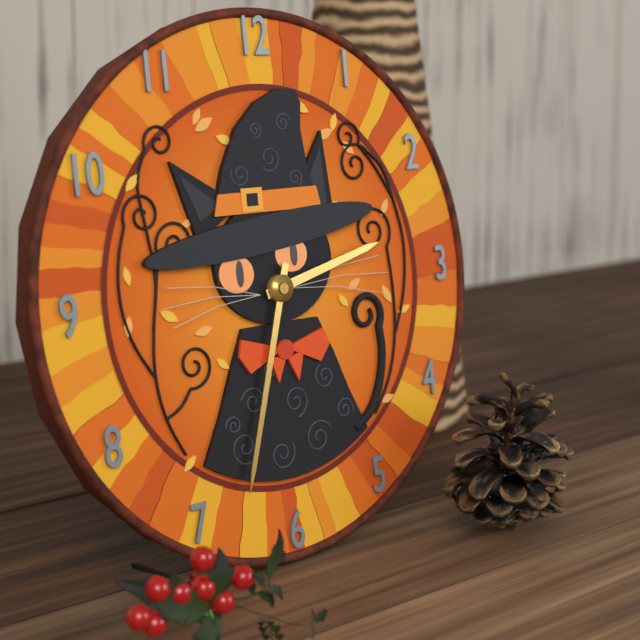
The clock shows 2:33
